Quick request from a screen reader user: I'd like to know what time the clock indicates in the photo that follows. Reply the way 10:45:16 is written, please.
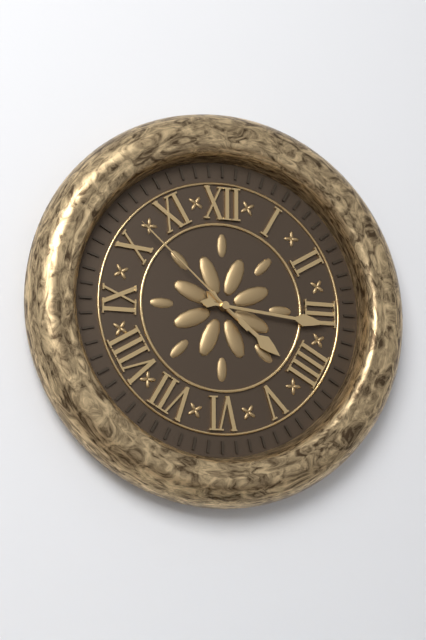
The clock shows 4:16:52
